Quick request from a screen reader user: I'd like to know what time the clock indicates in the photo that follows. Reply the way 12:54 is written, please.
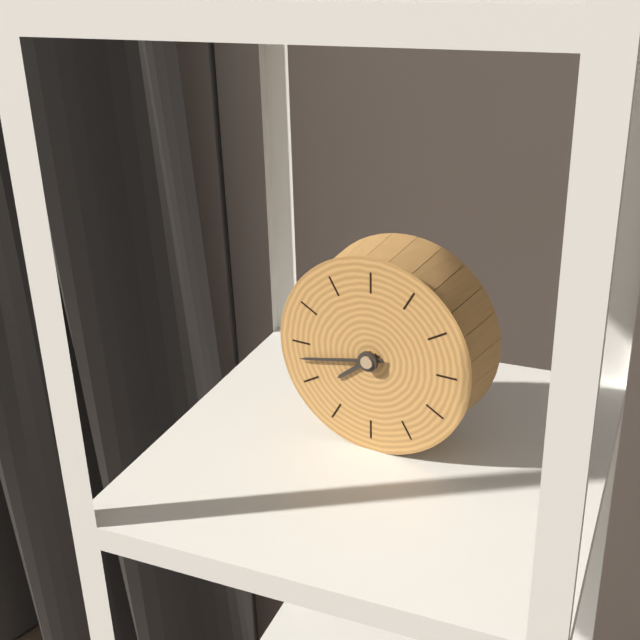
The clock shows 7:43
